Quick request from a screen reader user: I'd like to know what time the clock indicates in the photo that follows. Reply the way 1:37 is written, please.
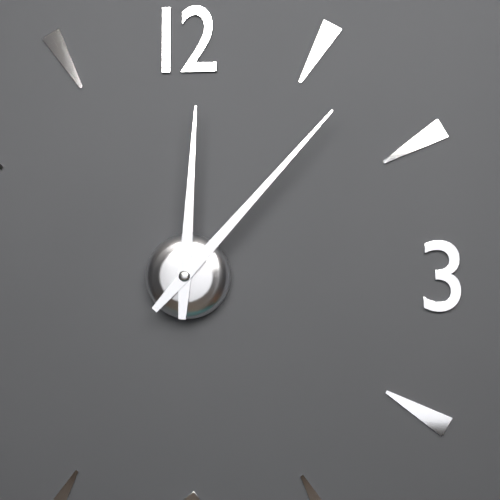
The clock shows 12:07
